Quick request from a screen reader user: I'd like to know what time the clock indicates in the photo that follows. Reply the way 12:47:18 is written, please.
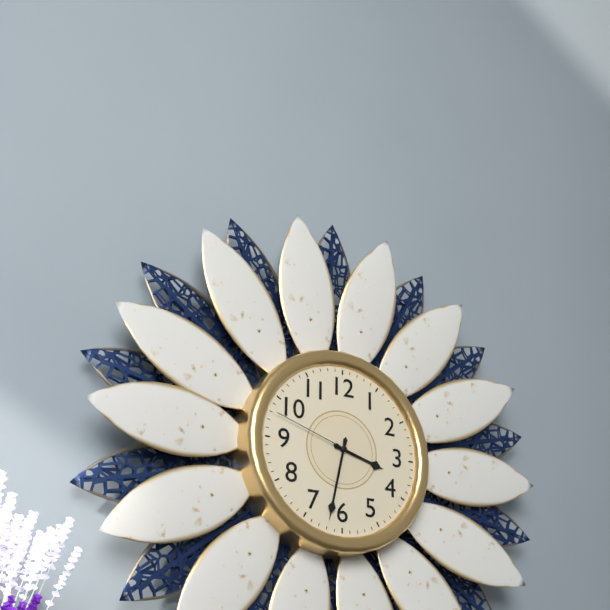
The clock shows 3:32:48
